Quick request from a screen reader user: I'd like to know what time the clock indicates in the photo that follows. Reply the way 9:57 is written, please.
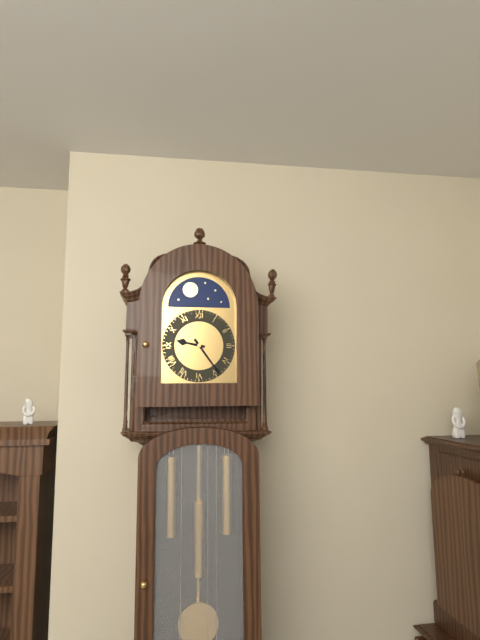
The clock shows 9:24
